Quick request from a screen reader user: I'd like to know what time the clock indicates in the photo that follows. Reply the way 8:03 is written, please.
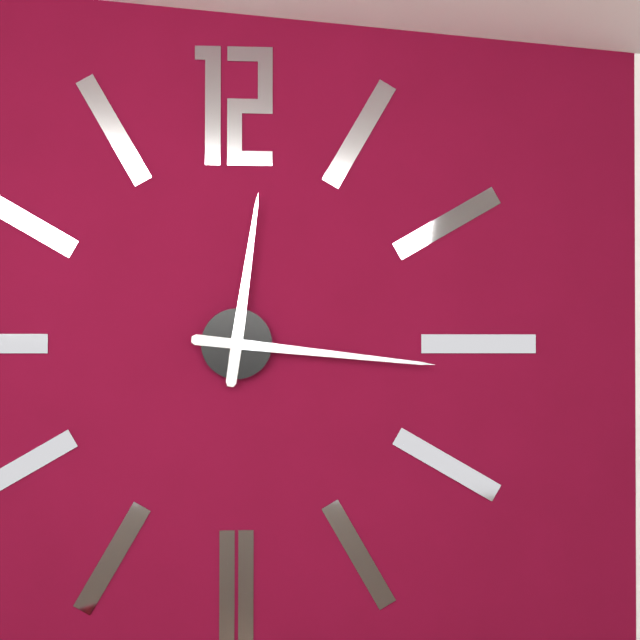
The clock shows 12:16
